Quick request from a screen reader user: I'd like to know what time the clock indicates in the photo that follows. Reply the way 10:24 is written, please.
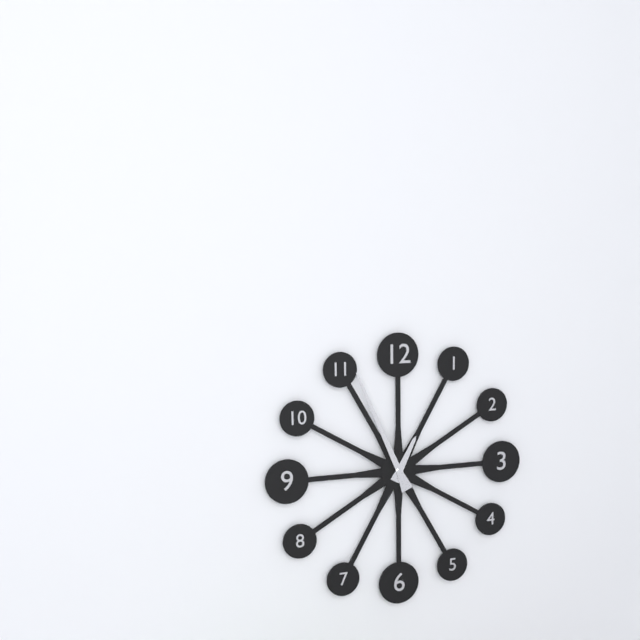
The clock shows 12:56
